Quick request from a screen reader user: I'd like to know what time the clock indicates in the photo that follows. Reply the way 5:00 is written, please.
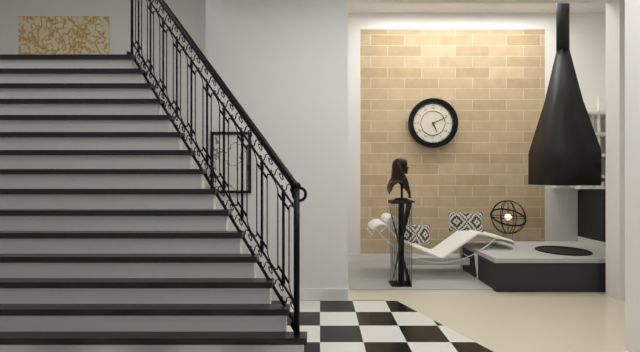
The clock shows 5:11
